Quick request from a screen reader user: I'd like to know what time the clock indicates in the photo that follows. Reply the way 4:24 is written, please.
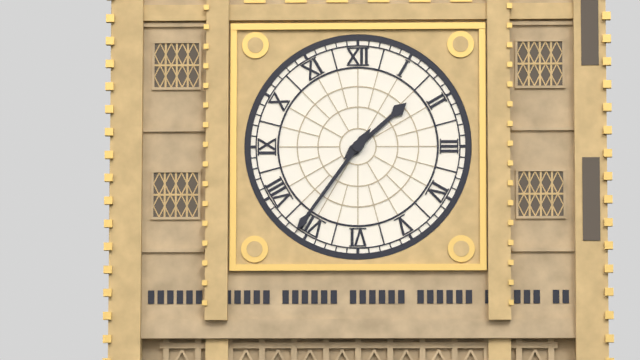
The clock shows 1:36
